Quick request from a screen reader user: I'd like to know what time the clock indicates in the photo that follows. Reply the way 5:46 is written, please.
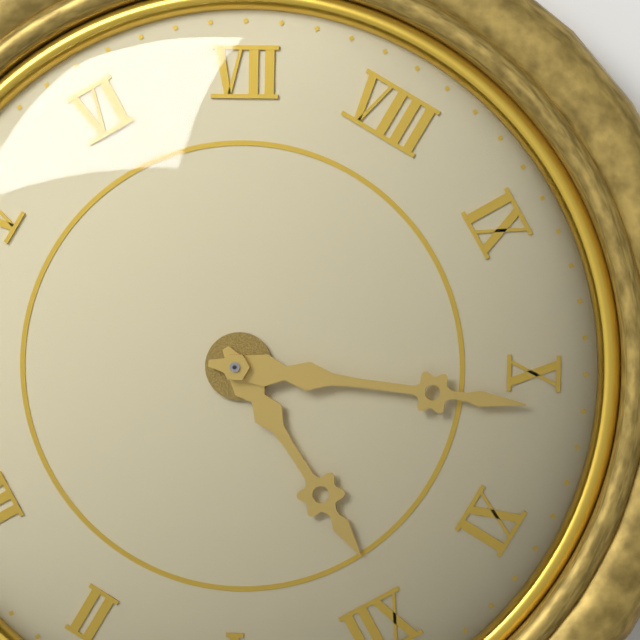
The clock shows 11:51
